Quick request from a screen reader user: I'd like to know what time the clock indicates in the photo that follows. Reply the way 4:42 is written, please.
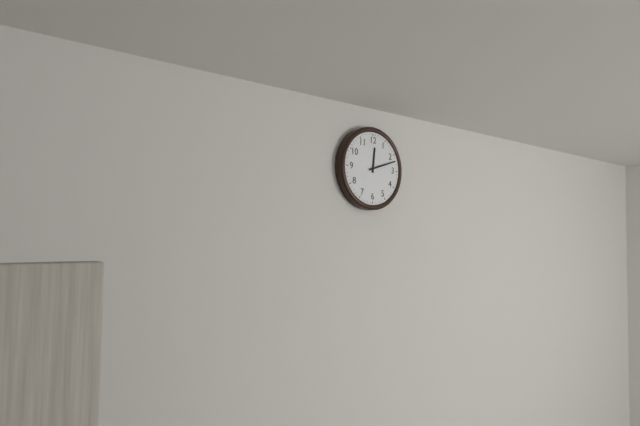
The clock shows 12:12
